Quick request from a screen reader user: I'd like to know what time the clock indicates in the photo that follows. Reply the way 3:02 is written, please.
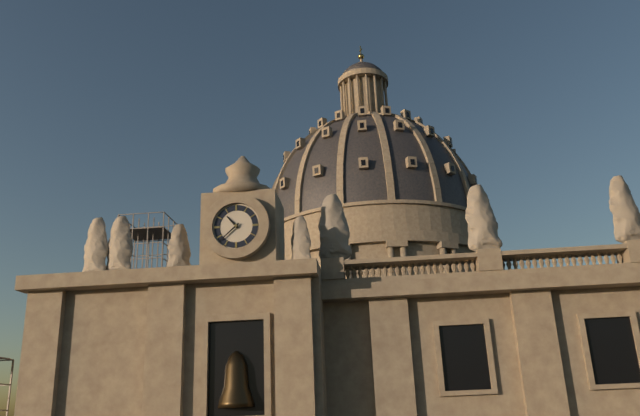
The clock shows 10:38
